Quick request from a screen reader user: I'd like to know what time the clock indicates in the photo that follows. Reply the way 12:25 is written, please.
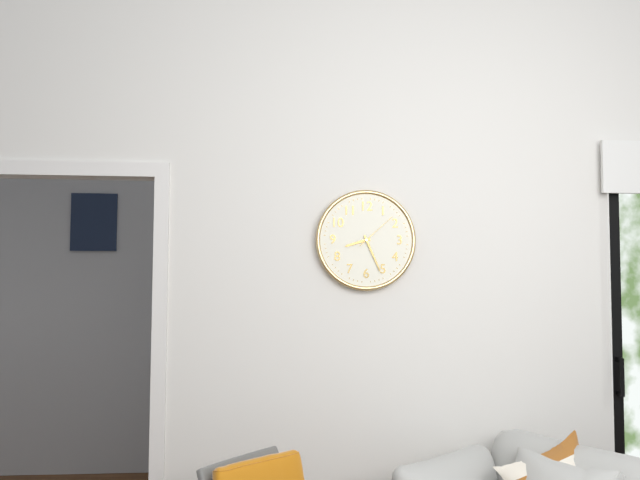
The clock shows 8:26
